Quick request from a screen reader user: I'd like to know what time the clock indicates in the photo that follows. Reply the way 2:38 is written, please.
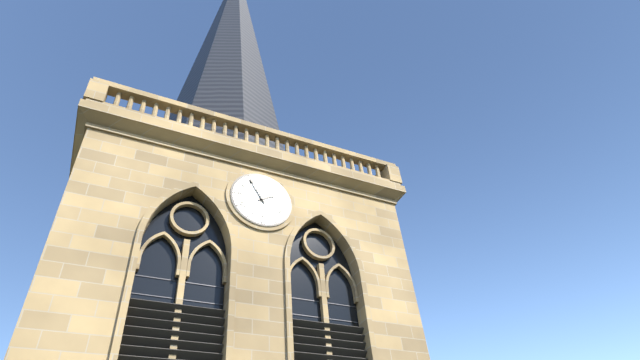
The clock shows 1:55
